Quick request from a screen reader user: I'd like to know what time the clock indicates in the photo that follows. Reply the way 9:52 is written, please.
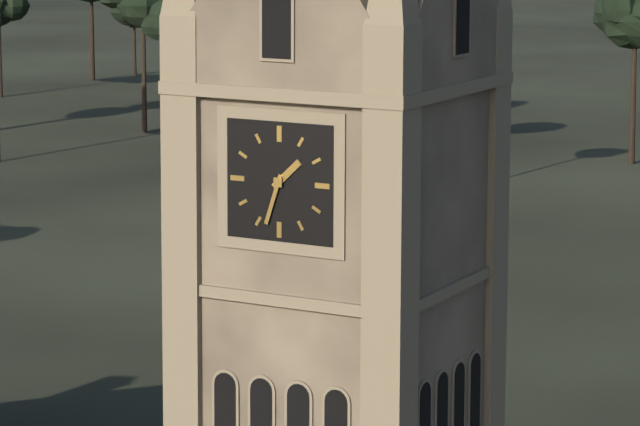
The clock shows 1:33
